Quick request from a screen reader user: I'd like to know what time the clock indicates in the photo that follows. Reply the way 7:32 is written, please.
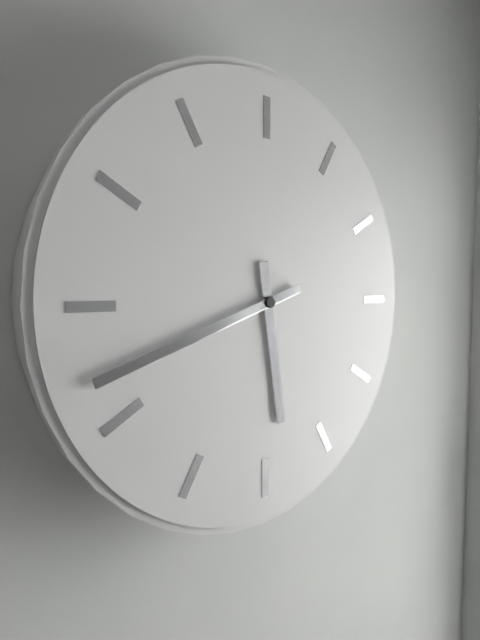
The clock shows 5:42
